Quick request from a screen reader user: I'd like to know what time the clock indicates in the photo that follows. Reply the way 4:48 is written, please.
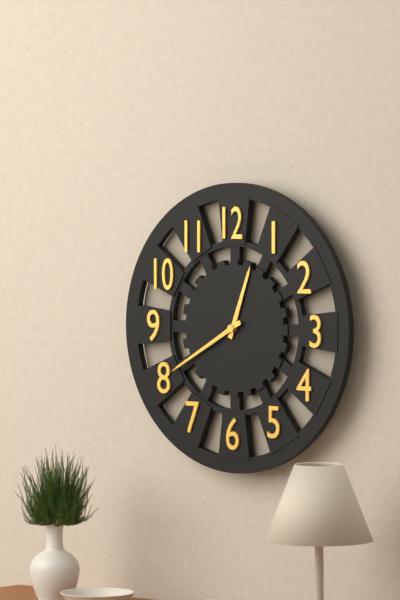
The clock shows 12:40
